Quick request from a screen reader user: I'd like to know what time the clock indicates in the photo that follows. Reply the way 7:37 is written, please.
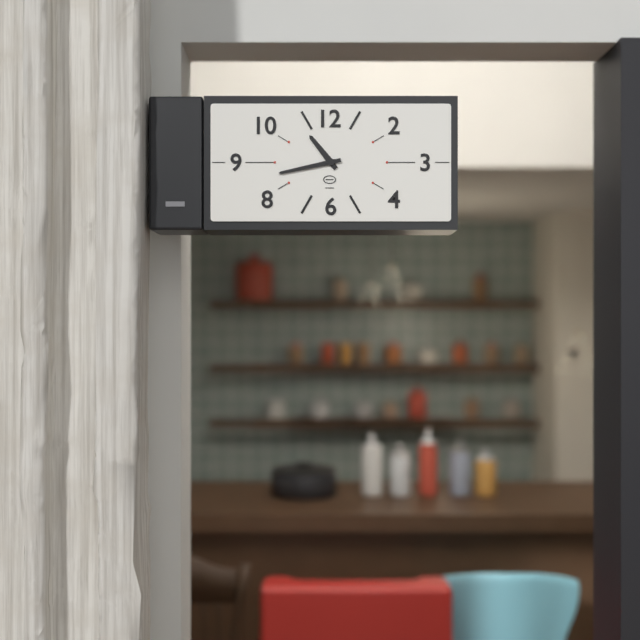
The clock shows 10:43
